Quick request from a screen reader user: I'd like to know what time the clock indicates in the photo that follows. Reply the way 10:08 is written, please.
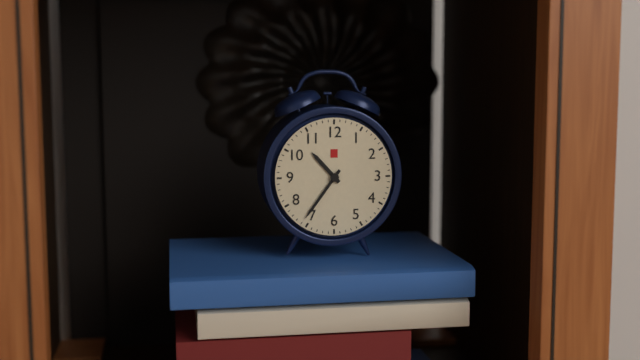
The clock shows 10:36
